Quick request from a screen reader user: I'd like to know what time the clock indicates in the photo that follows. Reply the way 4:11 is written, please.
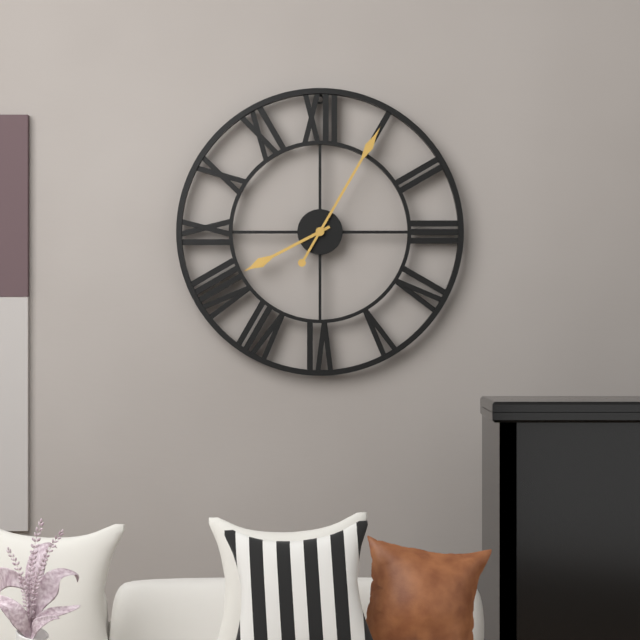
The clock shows 8:05
